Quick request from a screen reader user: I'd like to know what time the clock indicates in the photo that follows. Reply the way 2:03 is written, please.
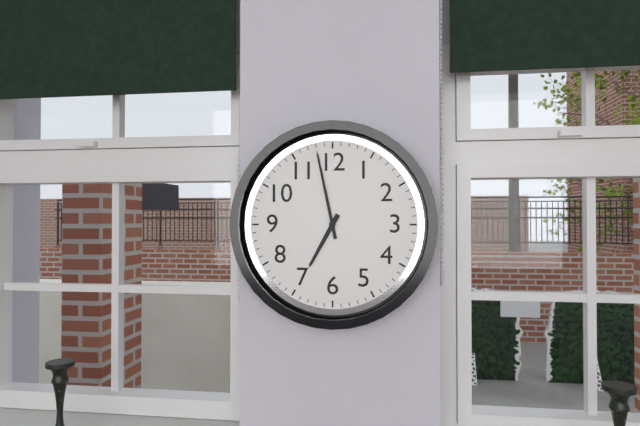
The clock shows 6:58
